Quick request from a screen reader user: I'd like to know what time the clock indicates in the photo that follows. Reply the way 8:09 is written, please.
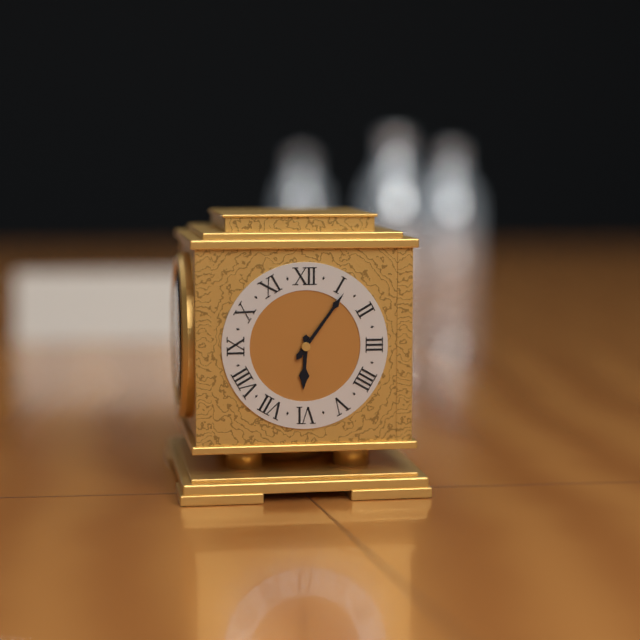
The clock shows 6:06
